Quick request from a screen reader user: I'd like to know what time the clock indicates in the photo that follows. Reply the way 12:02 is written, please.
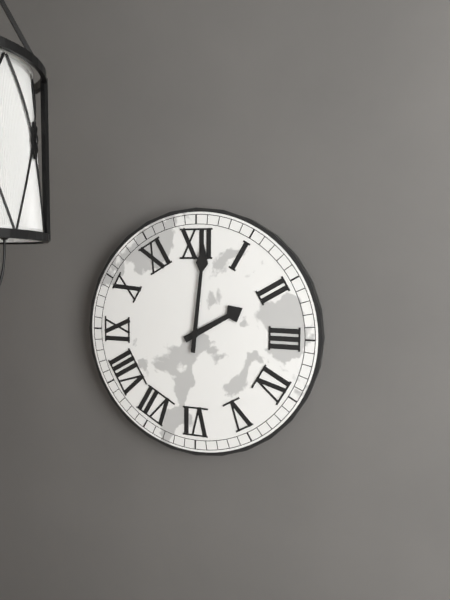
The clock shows 2:01
